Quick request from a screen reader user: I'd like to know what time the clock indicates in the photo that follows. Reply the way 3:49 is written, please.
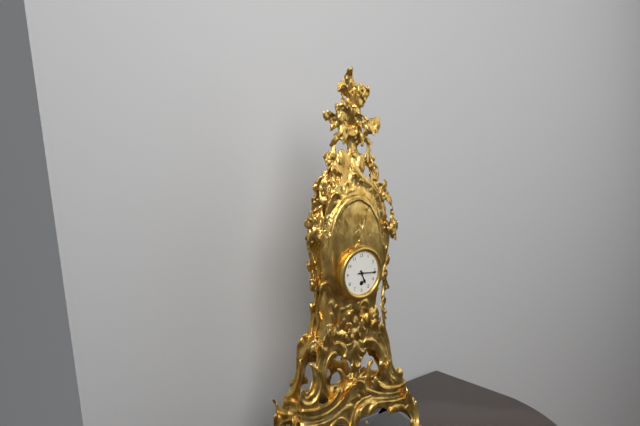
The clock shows 5:16
